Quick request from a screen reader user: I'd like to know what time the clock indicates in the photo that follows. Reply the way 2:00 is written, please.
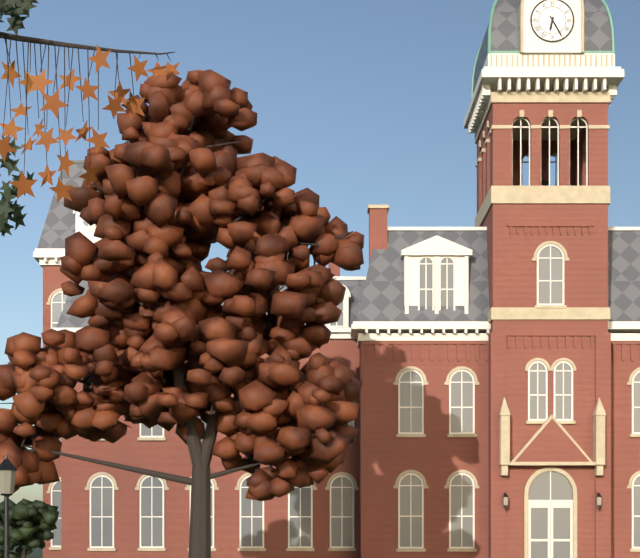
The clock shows 6:25
